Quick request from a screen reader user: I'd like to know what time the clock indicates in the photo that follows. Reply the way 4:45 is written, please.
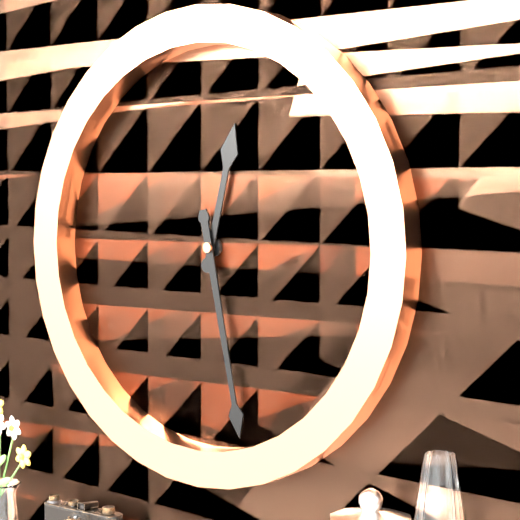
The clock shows 12:28
